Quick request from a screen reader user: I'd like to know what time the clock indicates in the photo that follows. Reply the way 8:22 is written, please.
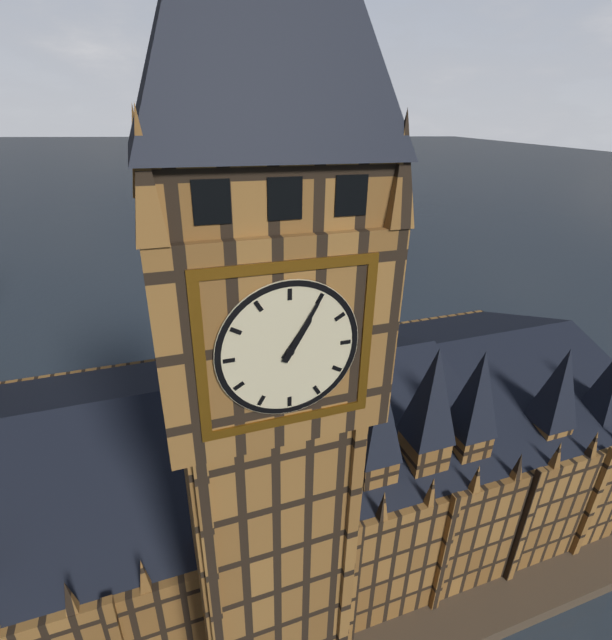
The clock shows 1:05
